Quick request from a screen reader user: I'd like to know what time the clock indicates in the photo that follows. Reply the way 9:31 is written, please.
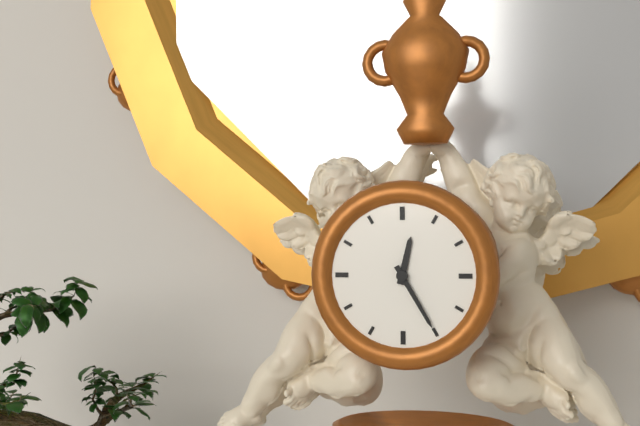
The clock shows 12:25
